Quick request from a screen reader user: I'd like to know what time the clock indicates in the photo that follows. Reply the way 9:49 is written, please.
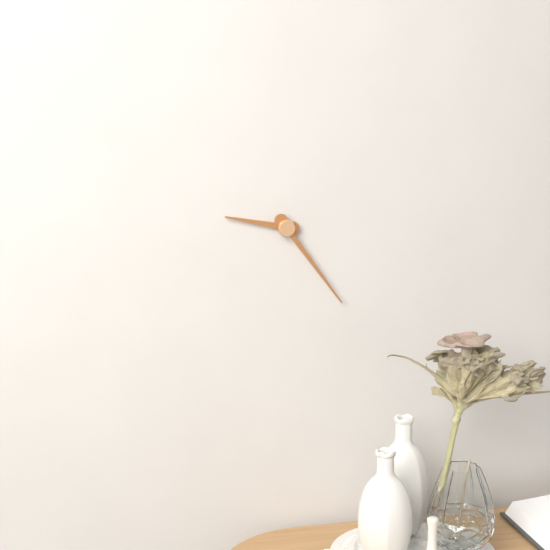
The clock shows 9:24
